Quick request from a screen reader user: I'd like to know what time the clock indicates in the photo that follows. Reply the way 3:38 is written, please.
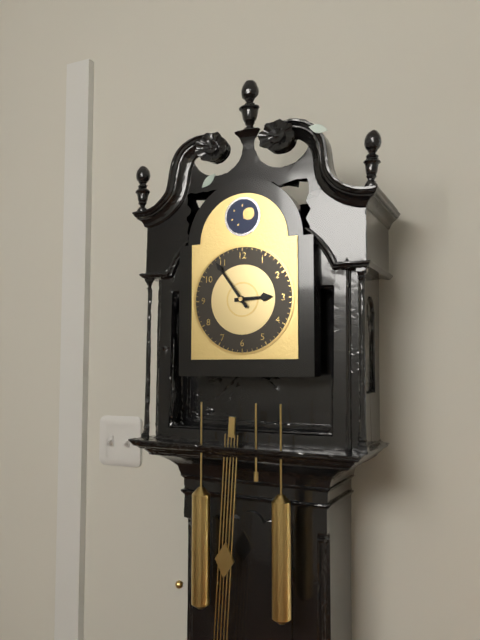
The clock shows 2:54
